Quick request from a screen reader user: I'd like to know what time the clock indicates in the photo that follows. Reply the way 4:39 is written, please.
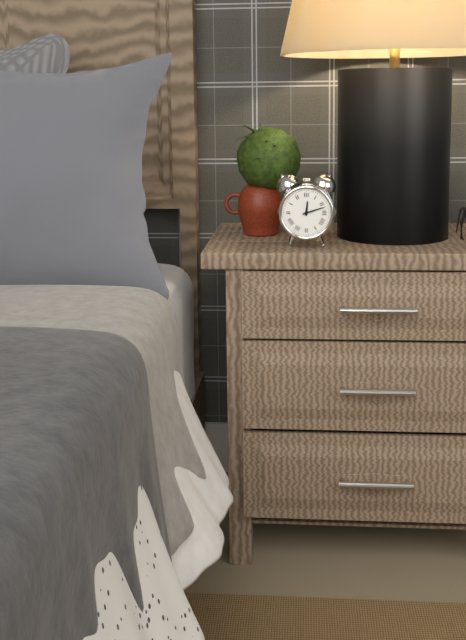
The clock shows 12:12
